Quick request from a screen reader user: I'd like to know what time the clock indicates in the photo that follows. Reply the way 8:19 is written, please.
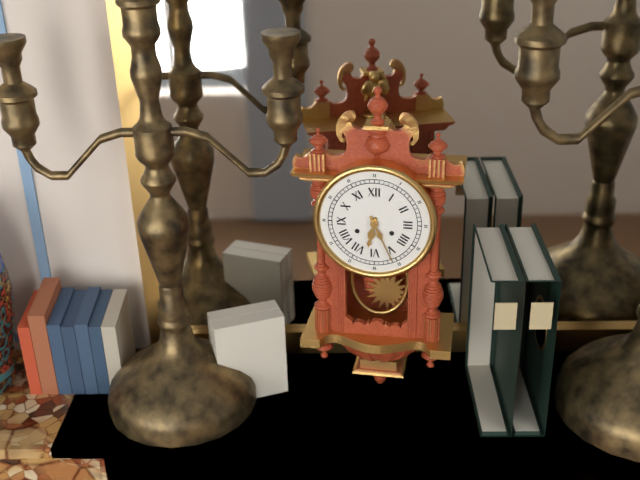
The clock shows 6:26
